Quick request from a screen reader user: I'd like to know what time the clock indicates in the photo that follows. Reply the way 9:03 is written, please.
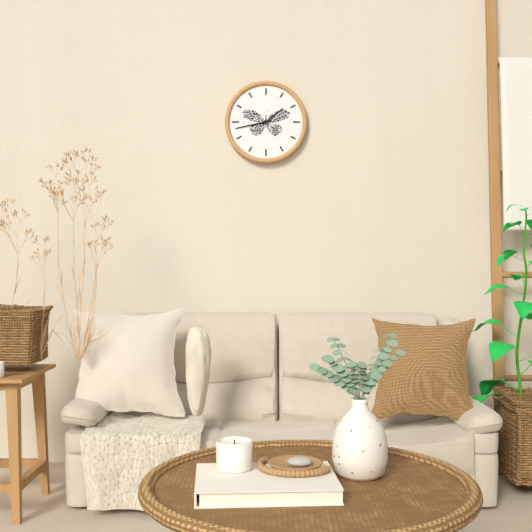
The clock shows 1:43
